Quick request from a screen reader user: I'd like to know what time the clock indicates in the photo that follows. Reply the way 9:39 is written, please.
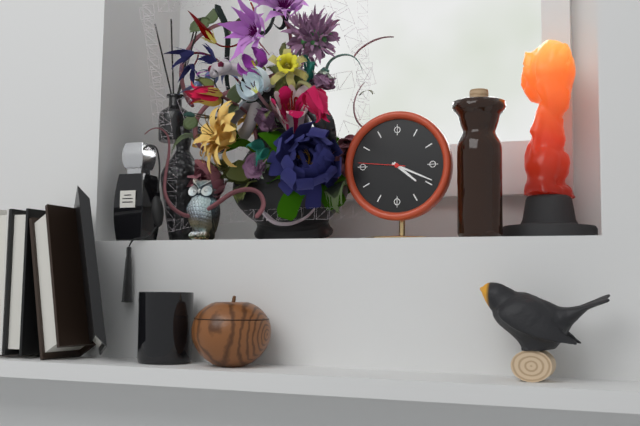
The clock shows 4:19
